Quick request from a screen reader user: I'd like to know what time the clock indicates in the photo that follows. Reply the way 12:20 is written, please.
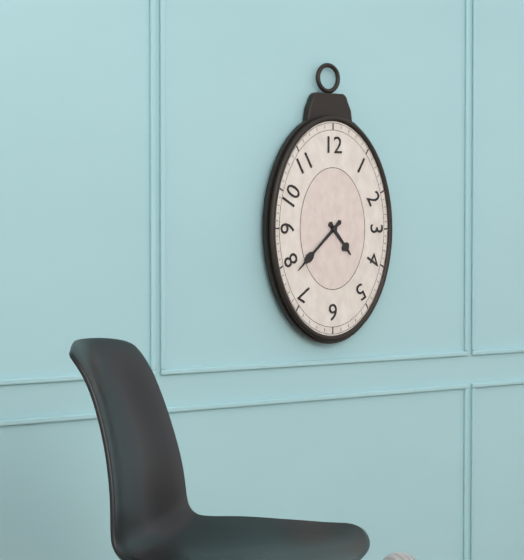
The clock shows 4:38
